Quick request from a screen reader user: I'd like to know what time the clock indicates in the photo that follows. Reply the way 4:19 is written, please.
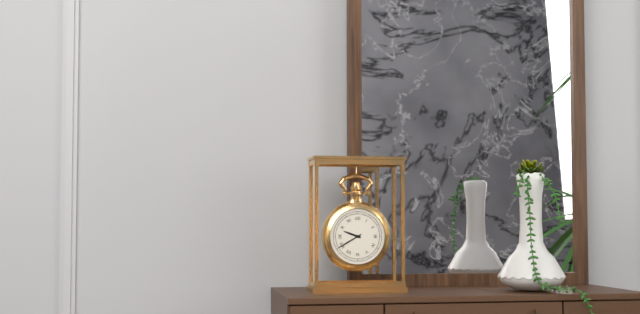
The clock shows 9:40
